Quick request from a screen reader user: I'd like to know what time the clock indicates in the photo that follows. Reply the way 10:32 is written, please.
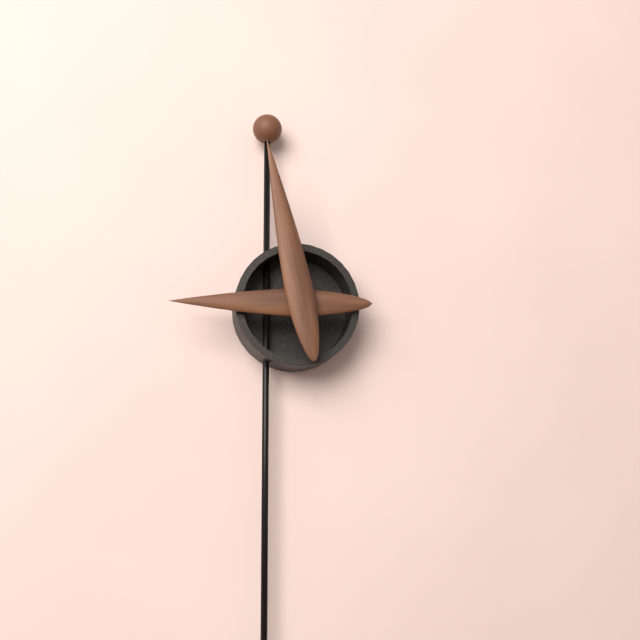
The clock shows 8:58
